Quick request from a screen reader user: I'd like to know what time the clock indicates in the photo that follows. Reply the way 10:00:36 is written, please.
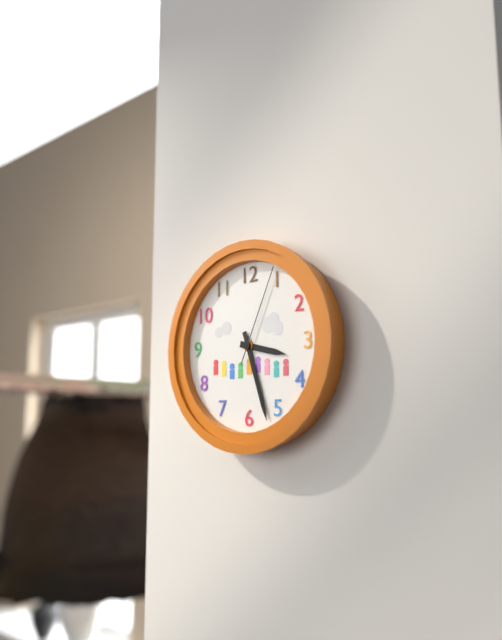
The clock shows 3:27:04
